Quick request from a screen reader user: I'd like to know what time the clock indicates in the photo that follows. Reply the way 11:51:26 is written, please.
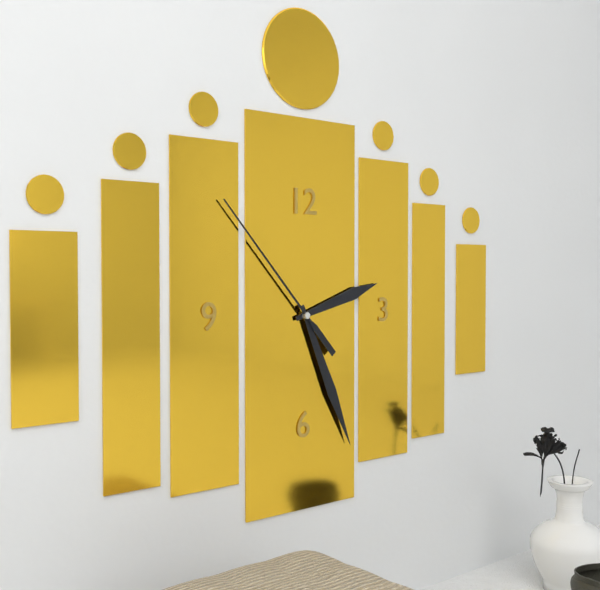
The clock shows 2:26:53
